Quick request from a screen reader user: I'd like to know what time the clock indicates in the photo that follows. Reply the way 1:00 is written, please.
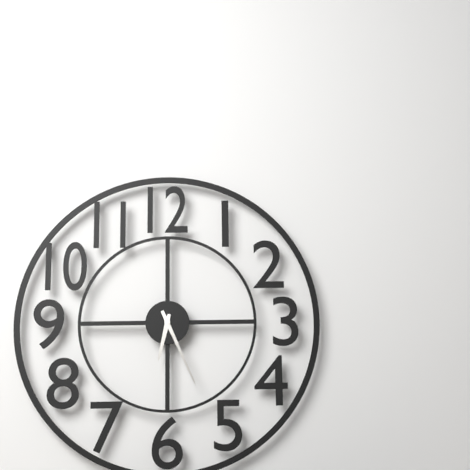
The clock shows 6:26
